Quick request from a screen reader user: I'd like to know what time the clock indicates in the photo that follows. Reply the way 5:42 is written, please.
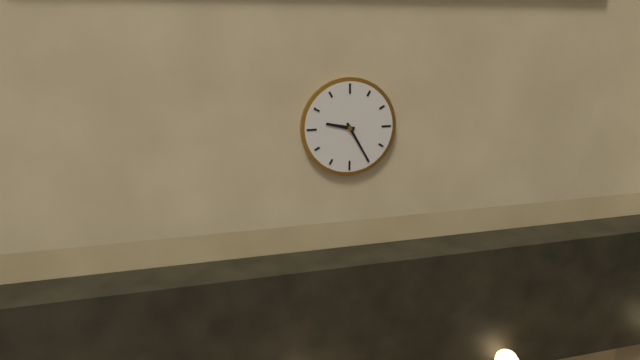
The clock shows 9:25
